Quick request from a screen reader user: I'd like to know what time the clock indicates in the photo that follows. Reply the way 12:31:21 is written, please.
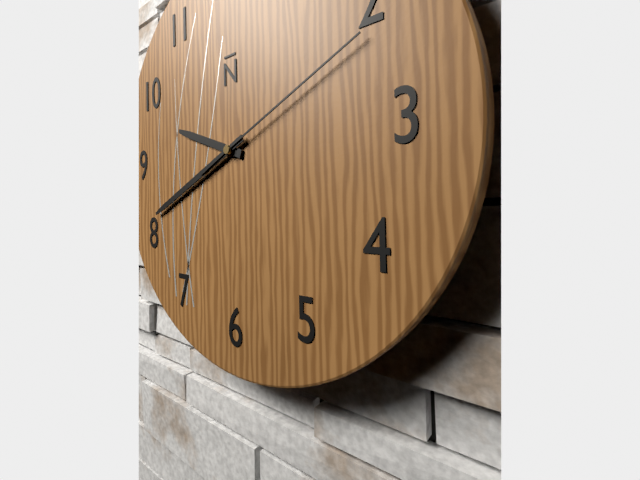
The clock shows 9:41:11
